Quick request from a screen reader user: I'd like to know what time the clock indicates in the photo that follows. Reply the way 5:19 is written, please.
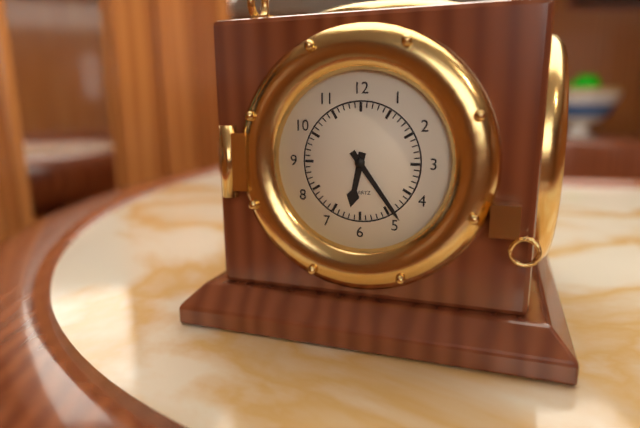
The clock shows 6:24
